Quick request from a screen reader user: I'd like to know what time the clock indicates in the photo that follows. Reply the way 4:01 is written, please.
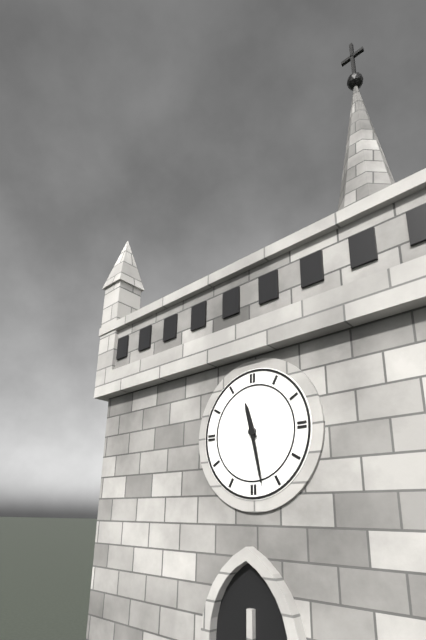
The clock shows 11:28
